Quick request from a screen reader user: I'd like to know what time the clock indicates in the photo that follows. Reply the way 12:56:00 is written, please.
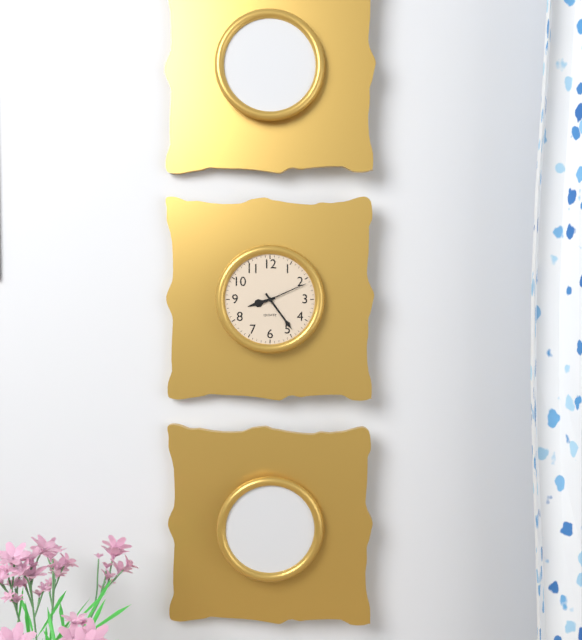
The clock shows 8:24:11
